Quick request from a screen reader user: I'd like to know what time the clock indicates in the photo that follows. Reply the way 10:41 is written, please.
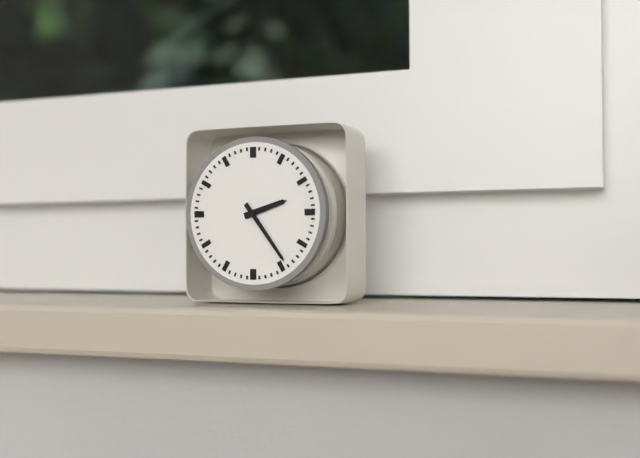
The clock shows 2:24
